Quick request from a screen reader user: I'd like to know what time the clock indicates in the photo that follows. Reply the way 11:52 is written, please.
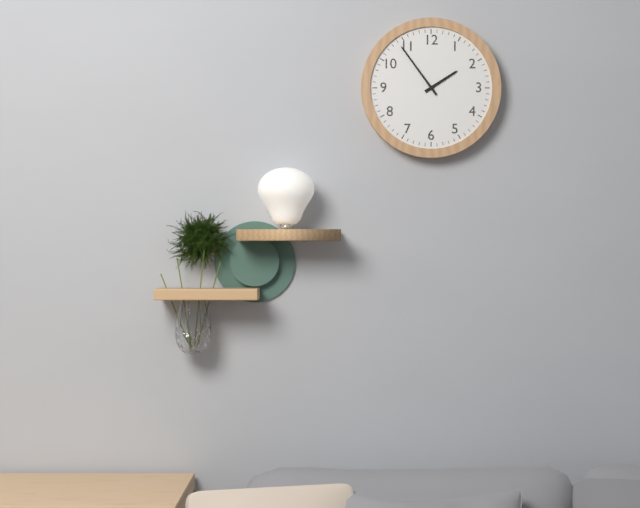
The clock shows 1:54
